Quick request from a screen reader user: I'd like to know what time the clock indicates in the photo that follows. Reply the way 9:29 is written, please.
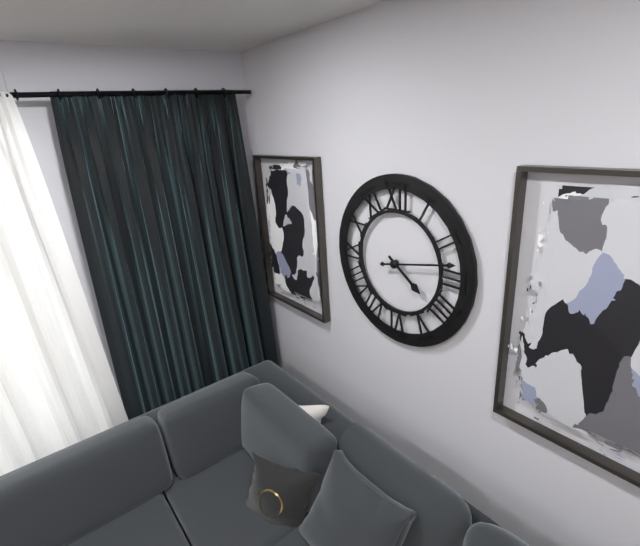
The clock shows 4:13
